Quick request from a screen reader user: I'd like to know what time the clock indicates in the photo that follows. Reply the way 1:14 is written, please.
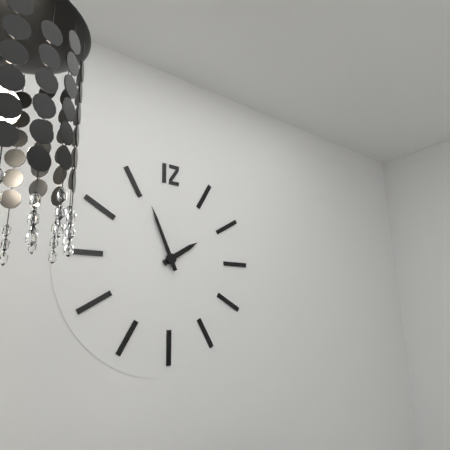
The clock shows 1:56
